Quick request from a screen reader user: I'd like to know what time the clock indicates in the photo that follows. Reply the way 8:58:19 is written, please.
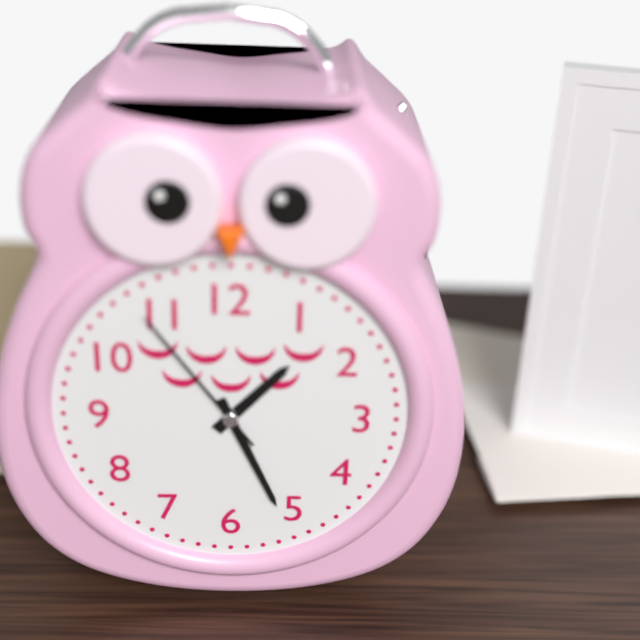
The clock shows 1:26:54
